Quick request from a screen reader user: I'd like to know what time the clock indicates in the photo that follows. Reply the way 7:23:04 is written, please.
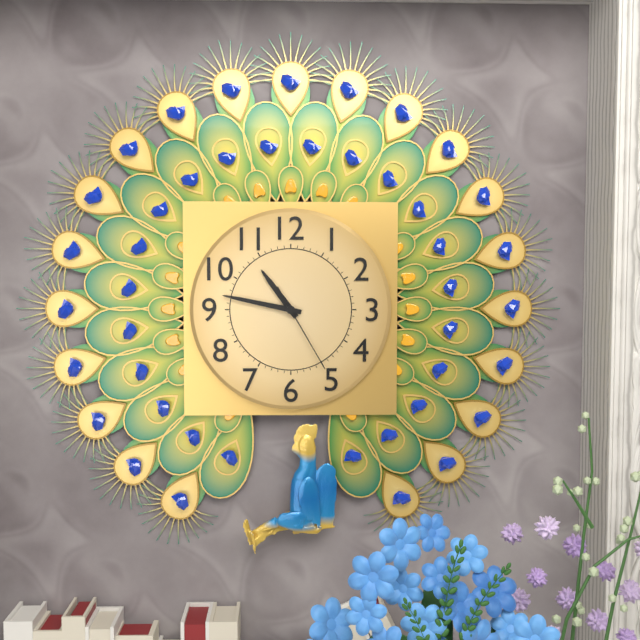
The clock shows 10:47:25
